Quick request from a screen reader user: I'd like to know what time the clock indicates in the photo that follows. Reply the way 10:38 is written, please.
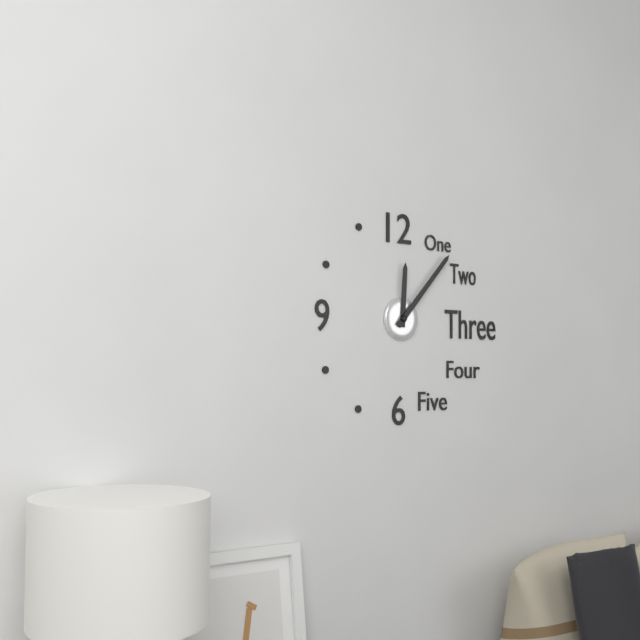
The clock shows 12:07
